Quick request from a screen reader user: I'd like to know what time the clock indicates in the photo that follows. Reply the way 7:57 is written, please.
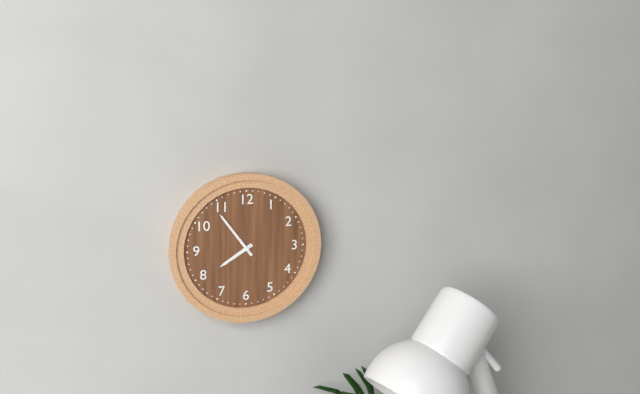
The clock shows 7:54
